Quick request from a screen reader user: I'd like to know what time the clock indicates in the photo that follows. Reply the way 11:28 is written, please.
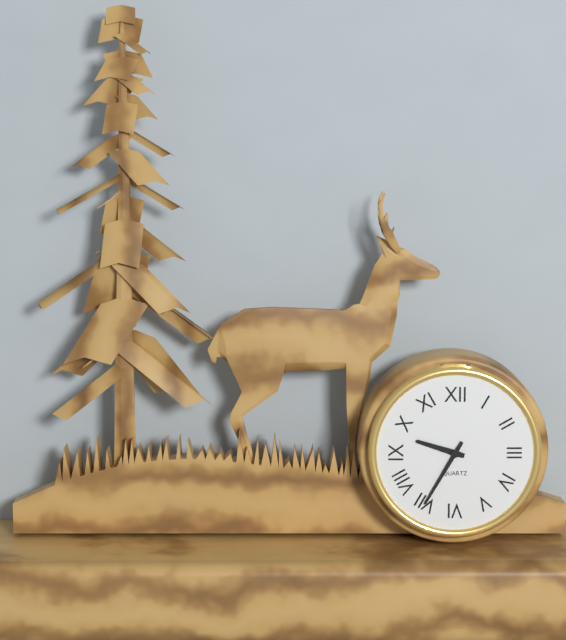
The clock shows 9:35
